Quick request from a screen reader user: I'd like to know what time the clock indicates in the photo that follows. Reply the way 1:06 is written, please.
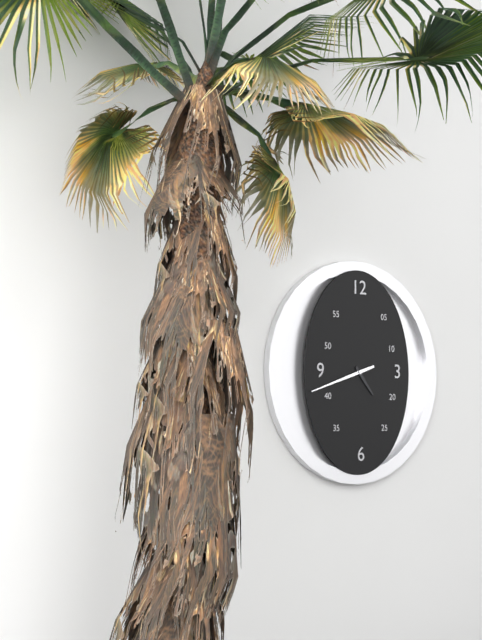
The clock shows 4:42
